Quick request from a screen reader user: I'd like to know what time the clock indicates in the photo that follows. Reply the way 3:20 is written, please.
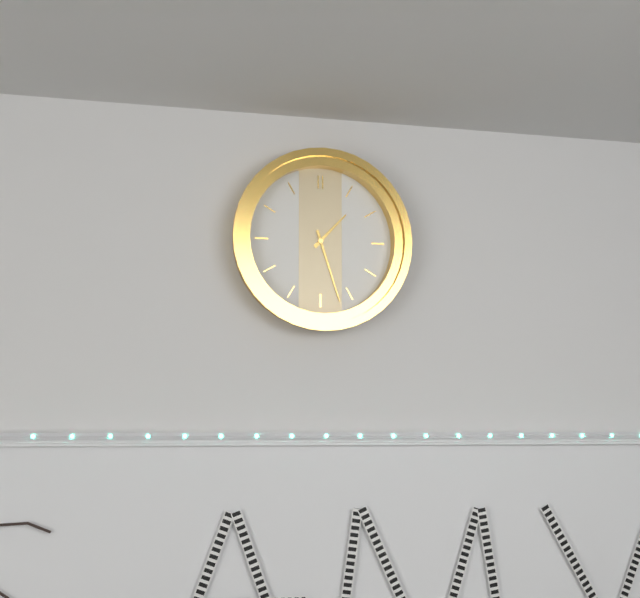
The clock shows 1:27
